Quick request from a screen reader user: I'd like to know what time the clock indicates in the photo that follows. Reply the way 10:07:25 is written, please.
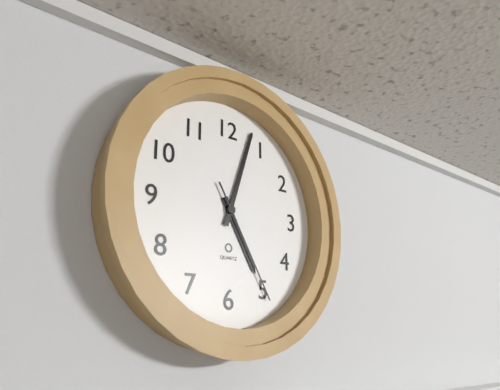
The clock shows 5:03:25
